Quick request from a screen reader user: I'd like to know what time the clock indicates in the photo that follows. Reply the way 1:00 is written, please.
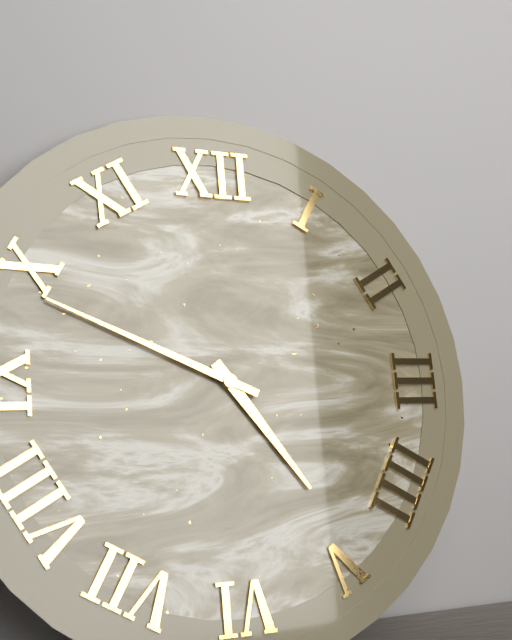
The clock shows 4:49
